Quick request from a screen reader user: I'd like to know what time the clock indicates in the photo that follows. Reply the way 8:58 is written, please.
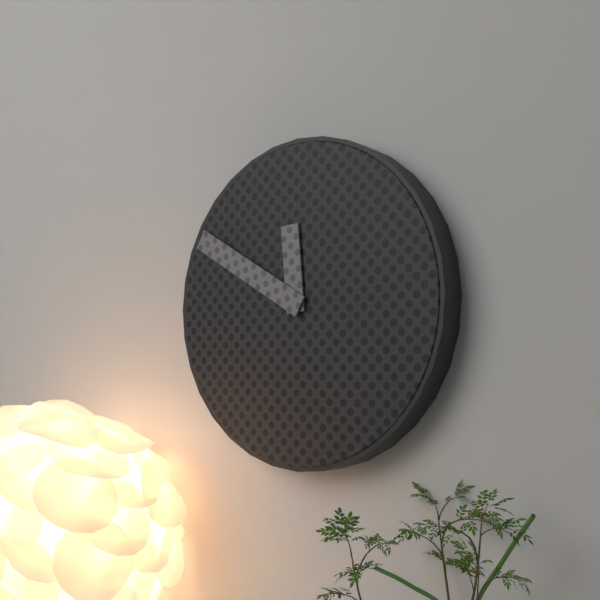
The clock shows 11:50
